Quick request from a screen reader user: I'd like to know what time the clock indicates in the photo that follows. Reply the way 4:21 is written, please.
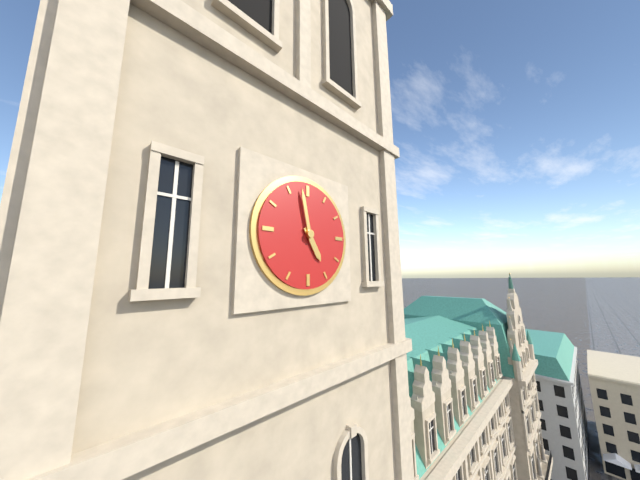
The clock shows 4:58
